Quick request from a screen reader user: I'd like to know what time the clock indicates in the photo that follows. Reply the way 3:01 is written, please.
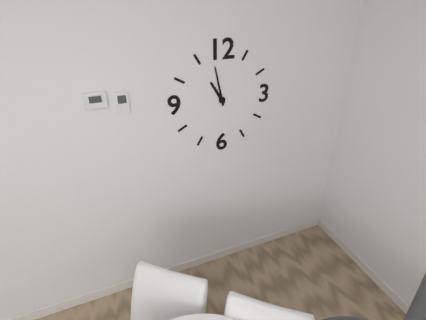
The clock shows 10:58
